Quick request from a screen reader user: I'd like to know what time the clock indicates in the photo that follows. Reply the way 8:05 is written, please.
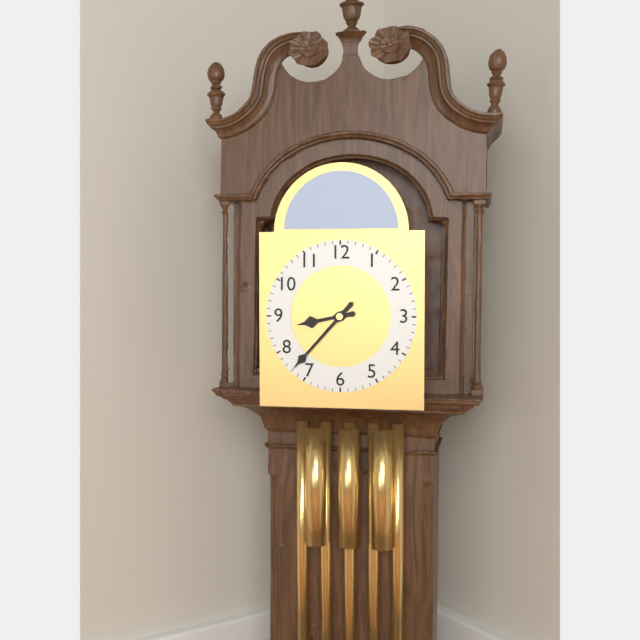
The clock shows 8:37
